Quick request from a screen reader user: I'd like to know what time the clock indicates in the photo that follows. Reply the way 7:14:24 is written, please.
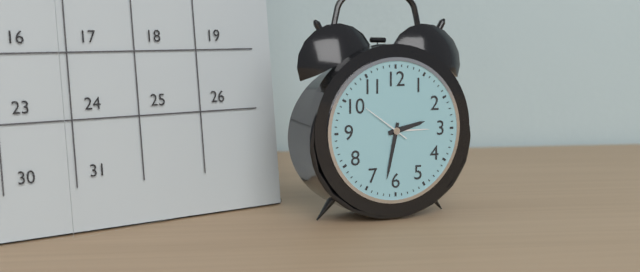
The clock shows 2:32:51
